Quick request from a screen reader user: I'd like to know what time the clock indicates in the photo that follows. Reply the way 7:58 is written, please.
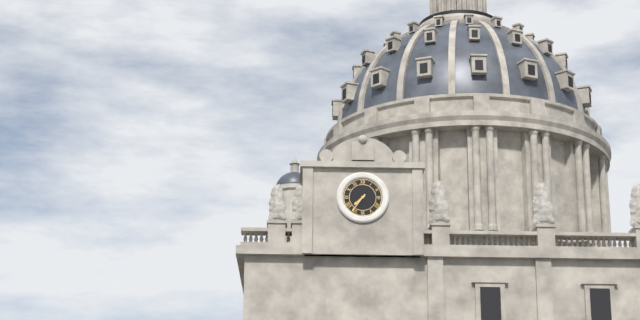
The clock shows 7:36
